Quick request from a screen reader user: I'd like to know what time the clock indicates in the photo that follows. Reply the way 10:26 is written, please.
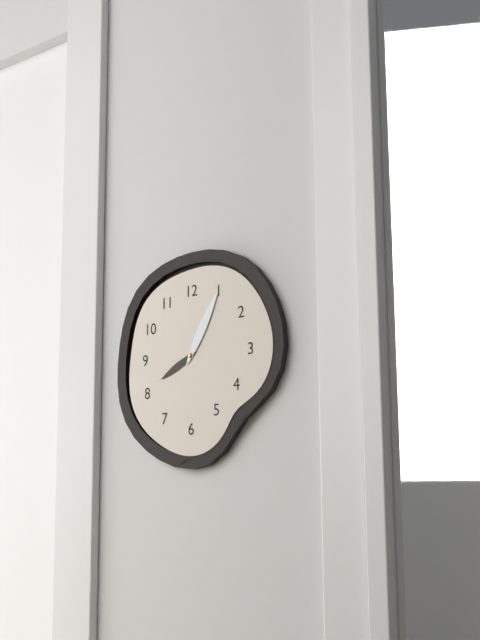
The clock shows 8:05
